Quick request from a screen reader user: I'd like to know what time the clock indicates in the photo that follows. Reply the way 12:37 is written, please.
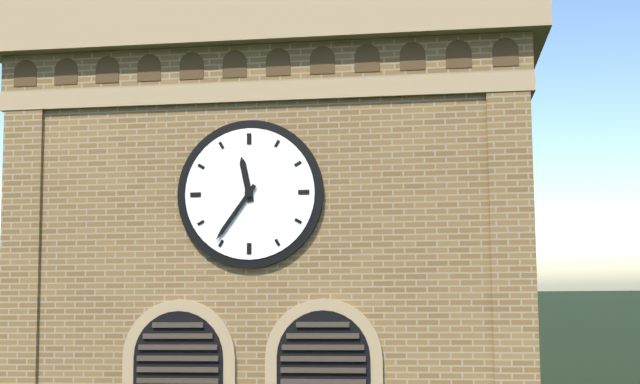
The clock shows 11:36
